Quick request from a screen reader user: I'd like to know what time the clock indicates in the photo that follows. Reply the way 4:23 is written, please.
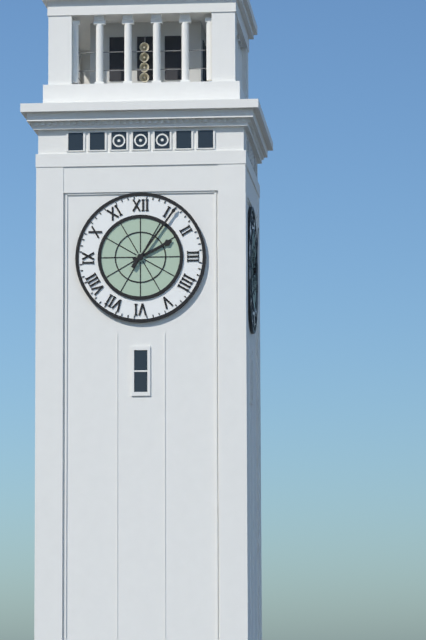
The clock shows 2:06
